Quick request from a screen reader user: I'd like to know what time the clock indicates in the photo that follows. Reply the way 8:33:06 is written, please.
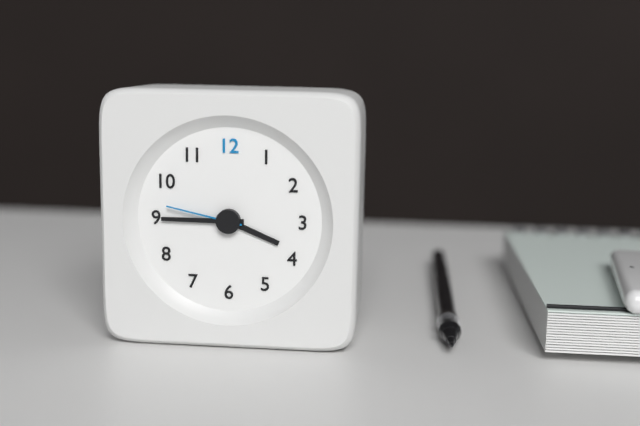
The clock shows 3:45:47
